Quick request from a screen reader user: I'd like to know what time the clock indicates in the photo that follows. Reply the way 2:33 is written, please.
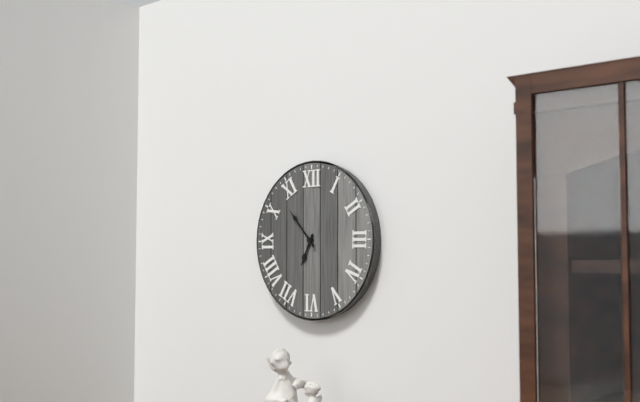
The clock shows 6:53
